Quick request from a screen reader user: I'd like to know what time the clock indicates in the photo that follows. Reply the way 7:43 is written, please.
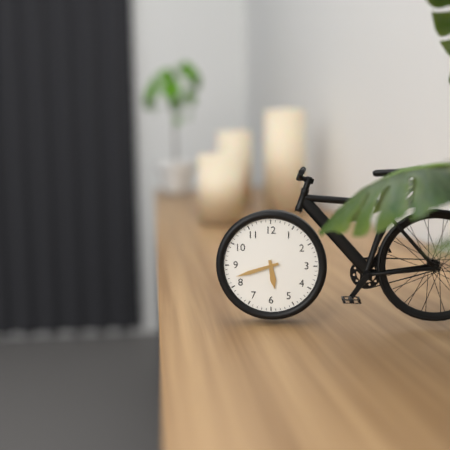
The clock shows 5:42
